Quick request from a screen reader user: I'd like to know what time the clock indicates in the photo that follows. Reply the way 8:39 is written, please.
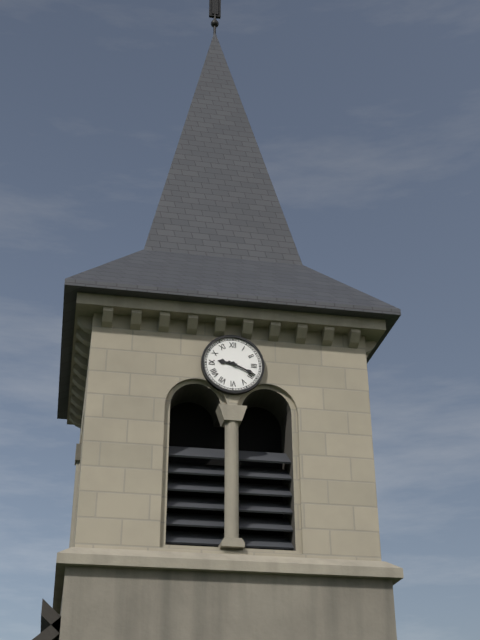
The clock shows 9:19
